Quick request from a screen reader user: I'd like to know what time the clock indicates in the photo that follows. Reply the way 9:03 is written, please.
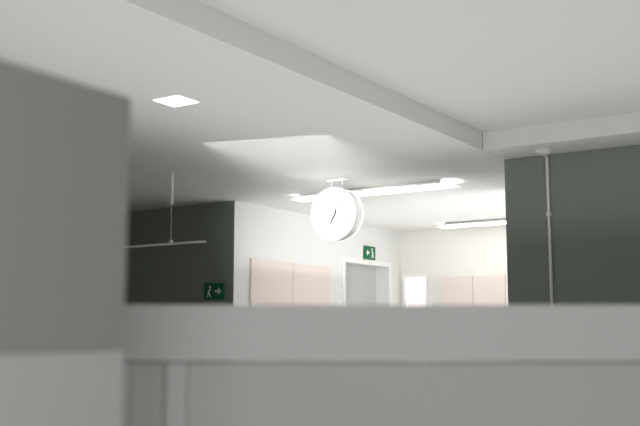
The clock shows 7:02
